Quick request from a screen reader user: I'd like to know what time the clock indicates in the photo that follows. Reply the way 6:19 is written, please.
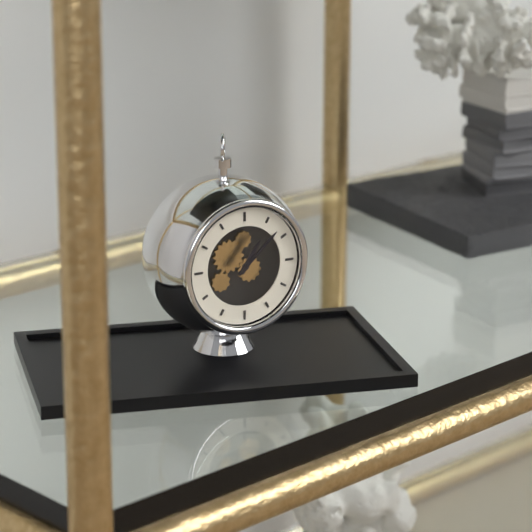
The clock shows 1:08
